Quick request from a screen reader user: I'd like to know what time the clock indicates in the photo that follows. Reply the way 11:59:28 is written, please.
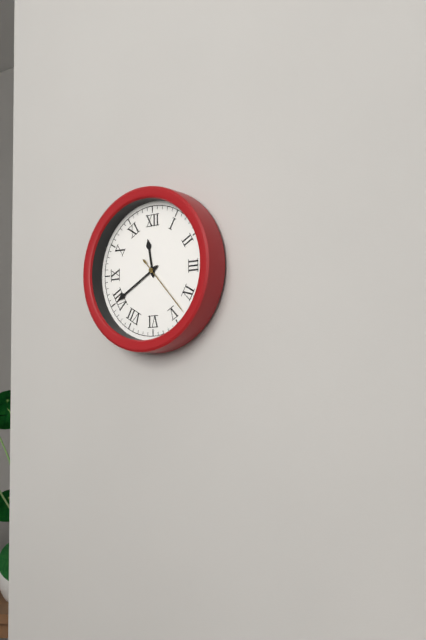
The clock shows 11:40:23
